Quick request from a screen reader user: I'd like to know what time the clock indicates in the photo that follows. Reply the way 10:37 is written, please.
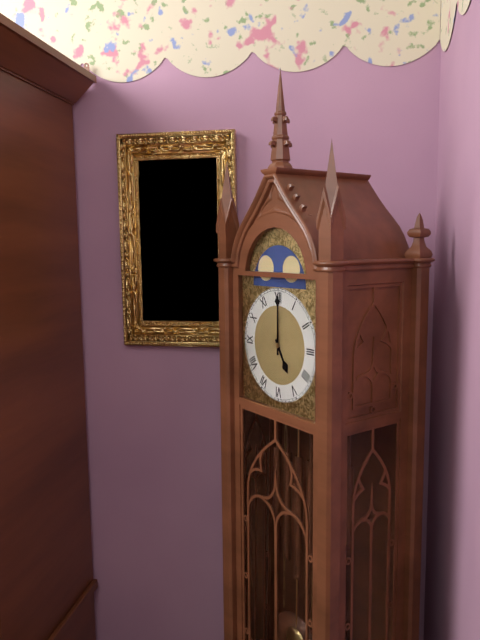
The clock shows 5:00
